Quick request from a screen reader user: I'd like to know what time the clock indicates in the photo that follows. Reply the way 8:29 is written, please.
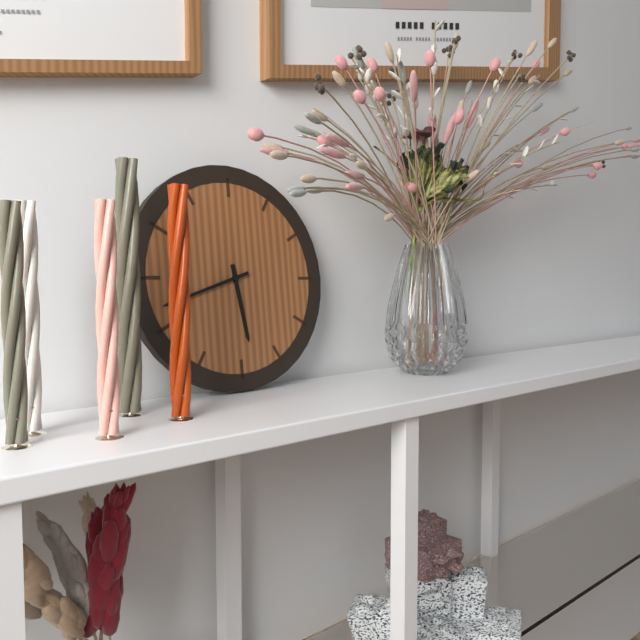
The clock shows 5:42
